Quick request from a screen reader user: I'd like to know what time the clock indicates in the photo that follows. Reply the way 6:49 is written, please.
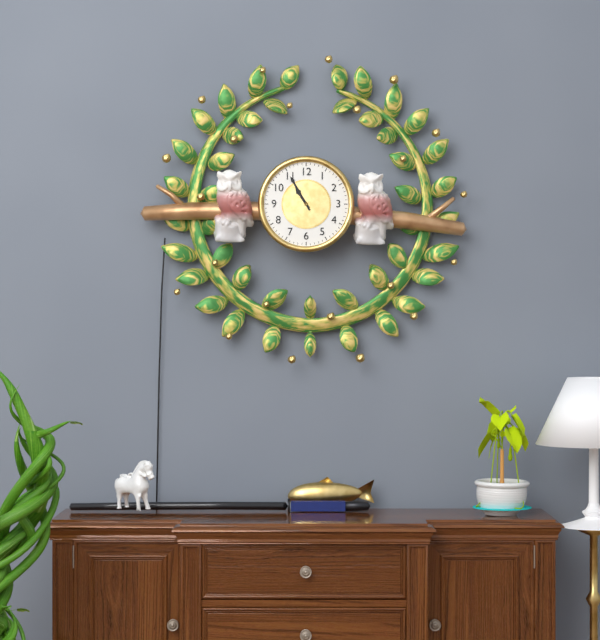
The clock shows 10:55
